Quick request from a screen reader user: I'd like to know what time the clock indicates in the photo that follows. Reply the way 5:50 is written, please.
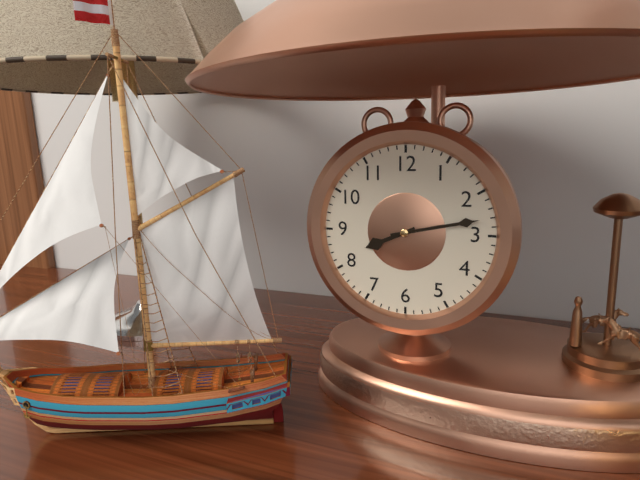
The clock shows 8:13
